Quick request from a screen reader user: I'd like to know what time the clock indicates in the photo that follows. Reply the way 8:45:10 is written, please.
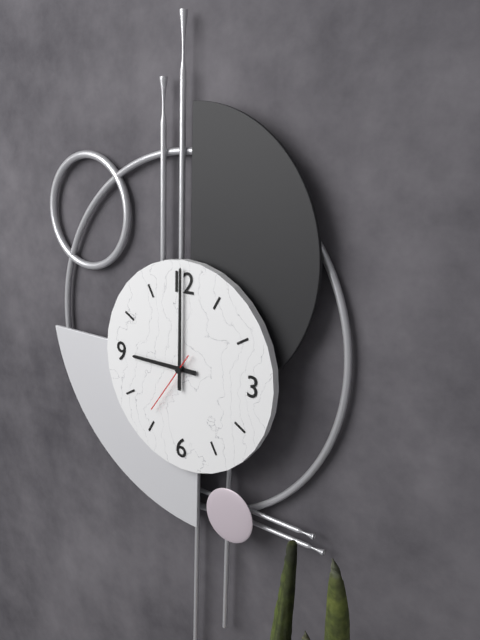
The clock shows 9:00:36
